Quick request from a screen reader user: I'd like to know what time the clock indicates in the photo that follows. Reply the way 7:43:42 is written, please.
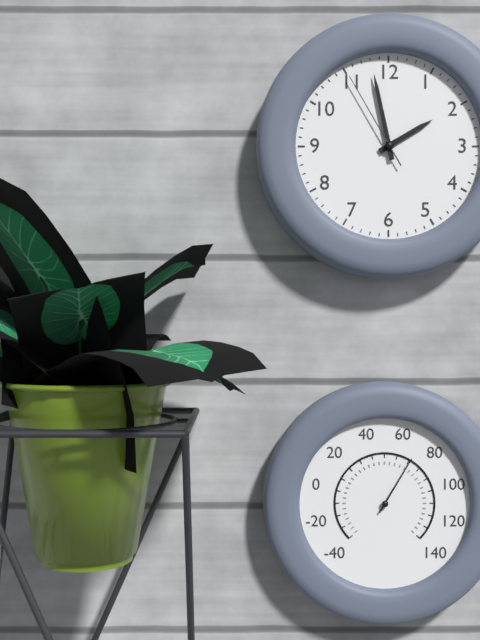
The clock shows 1:58:55
